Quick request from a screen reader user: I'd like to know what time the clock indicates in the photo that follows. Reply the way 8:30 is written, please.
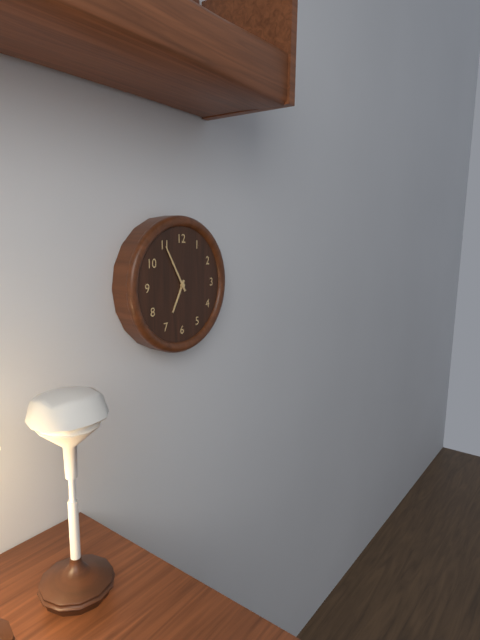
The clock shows 6:55
